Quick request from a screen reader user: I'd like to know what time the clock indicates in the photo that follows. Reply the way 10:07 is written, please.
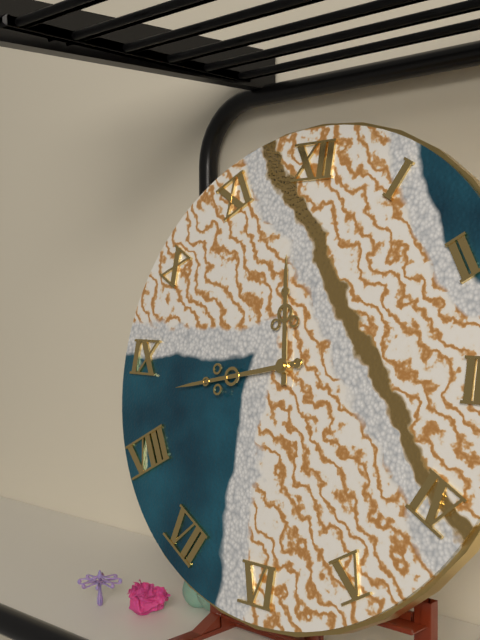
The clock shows 11:43
